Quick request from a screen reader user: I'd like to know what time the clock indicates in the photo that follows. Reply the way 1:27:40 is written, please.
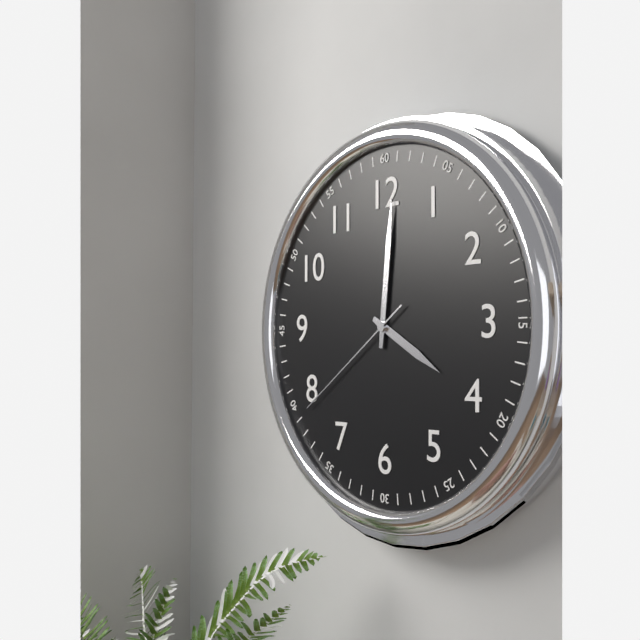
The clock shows 4:01:39
